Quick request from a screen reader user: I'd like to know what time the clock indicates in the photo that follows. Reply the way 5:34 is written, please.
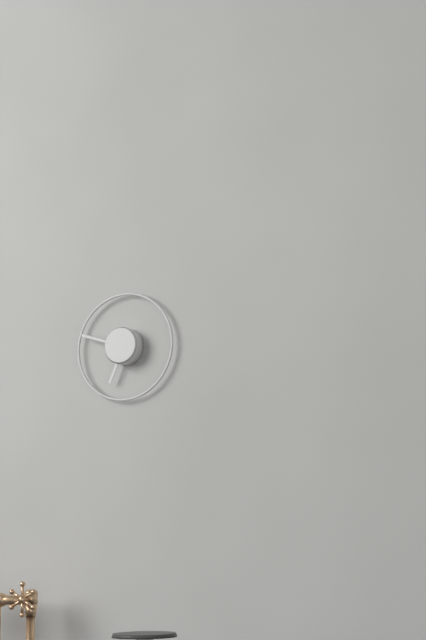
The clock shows 6:48
